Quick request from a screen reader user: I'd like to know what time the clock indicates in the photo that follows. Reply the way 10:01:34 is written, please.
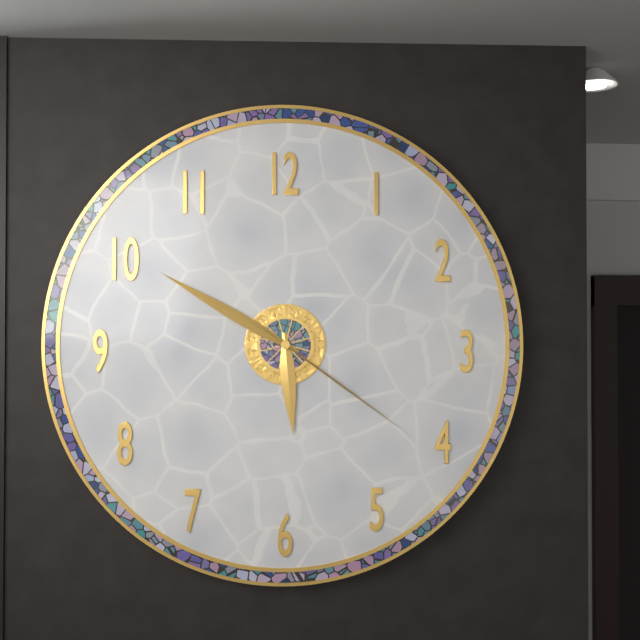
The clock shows 5:50:21
